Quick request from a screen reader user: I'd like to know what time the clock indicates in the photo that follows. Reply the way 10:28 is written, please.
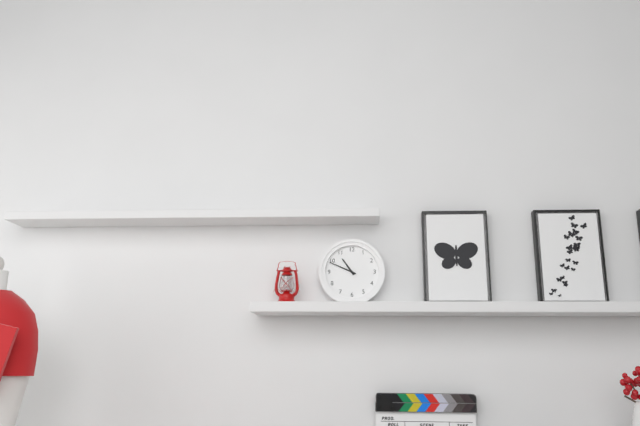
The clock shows 10:49
